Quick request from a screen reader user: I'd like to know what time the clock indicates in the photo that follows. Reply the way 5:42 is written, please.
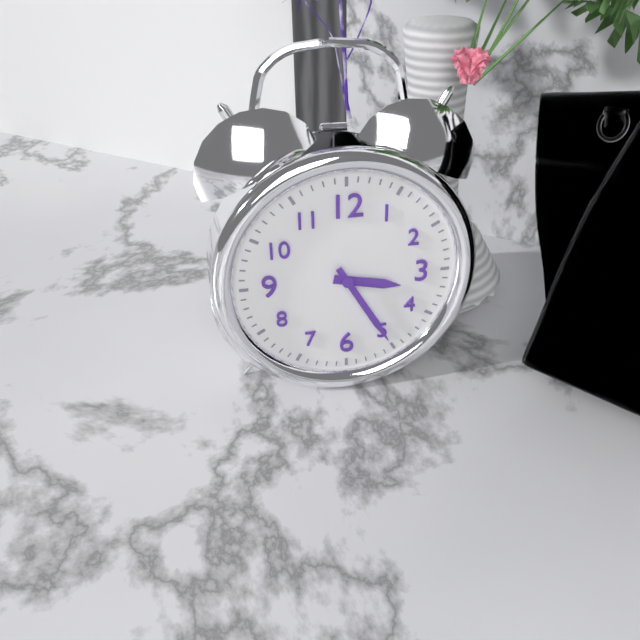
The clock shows 3:25
